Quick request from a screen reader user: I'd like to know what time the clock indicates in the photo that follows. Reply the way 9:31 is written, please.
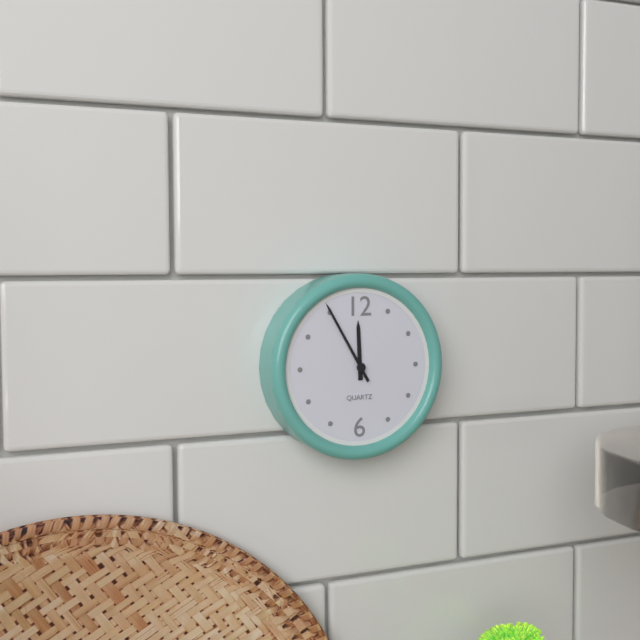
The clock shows 11:55
